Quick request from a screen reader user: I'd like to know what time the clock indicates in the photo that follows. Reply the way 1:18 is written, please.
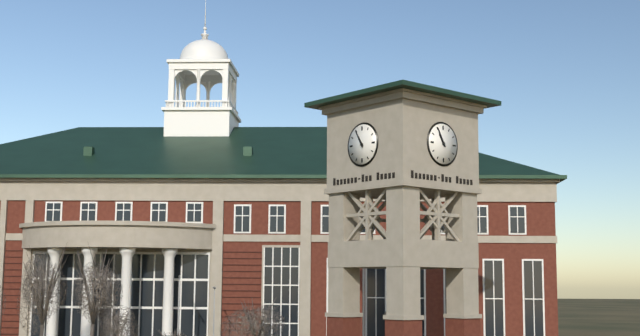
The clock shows 10:55
